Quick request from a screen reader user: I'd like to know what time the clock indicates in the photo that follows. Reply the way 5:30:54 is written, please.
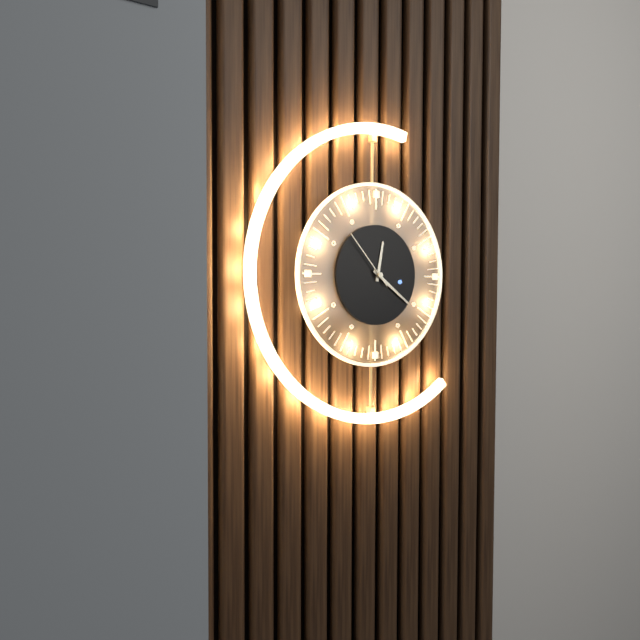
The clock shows 12:21:53
